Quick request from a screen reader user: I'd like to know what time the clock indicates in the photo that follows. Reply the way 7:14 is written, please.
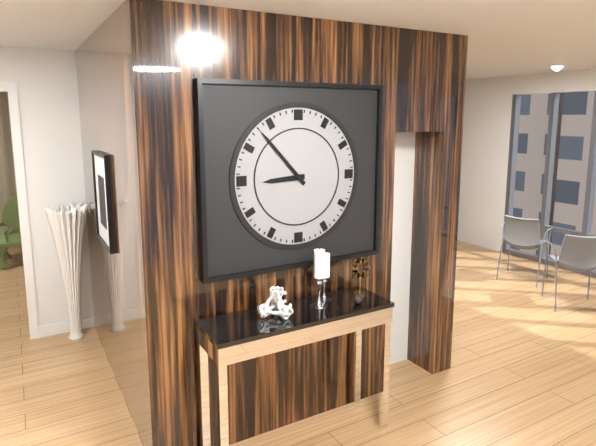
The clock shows 8:53
